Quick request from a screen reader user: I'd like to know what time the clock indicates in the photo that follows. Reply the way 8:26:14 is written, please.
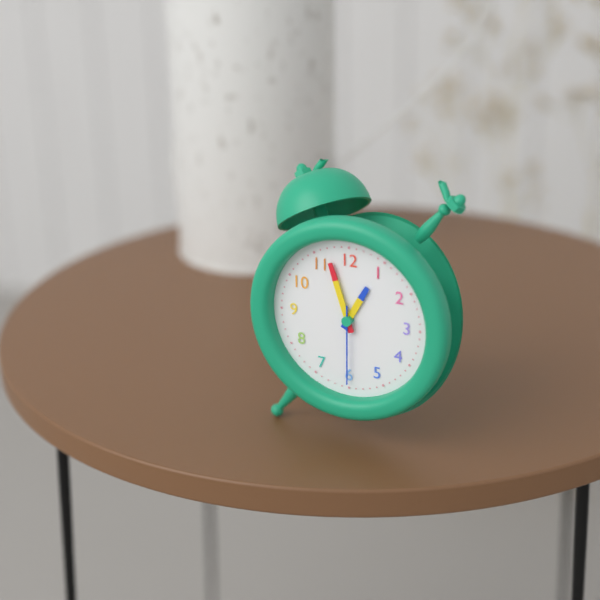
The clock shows 12:57:30
